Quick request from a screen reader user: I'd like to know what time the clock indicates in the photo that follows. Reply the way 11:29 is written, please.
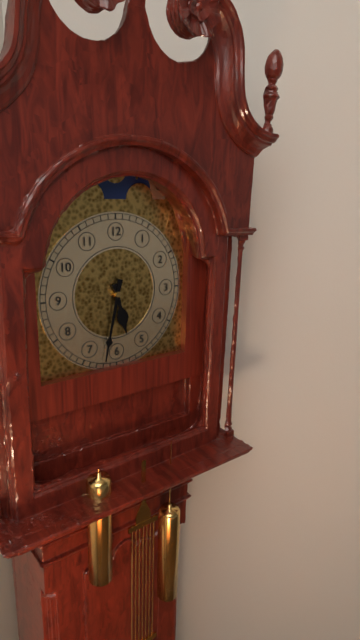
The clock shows 5:32
